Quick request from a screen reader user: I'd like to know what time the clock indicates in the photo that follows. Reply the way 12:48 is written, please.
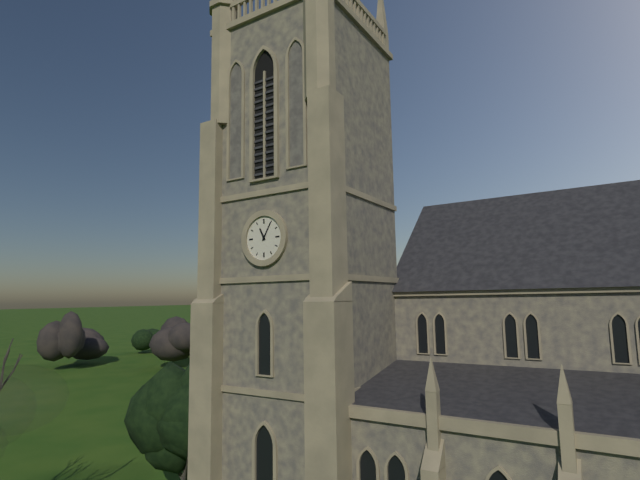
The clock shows 11:05
